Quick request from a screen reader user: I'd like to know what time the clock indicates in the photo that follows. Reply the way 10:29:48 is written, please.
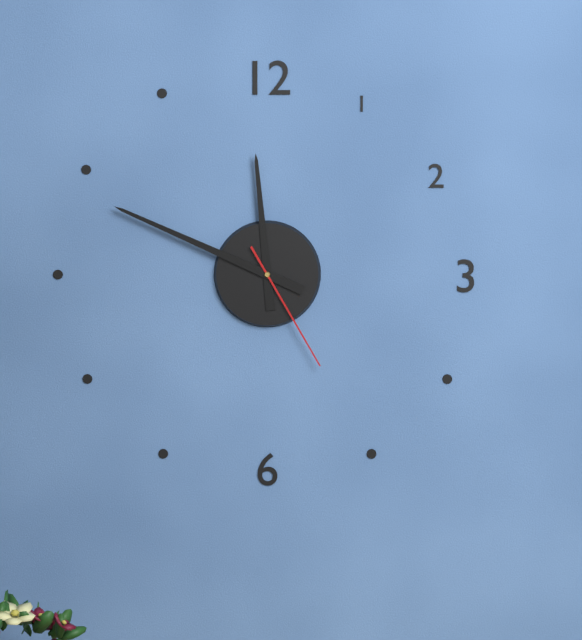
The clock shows 11:49:25
